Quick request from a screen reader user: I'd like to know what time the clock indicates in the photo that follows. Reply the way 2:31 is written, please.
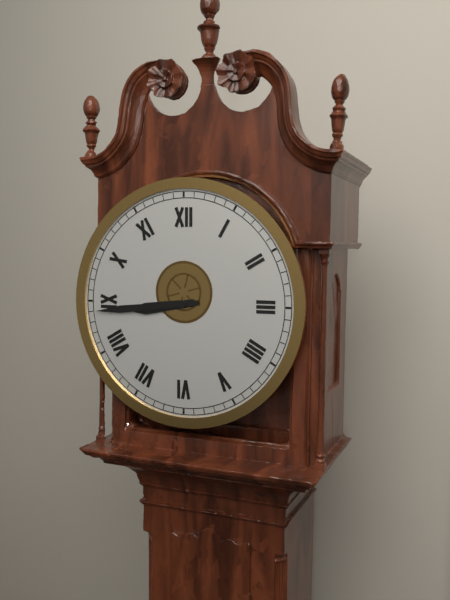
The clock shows 8:44
